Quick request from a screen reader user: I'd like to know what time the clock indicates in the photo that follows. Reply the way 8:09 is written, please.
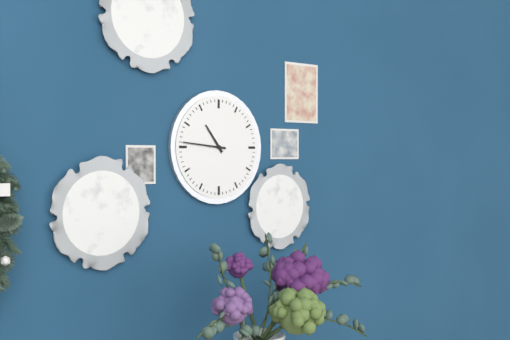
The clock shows 10:46
